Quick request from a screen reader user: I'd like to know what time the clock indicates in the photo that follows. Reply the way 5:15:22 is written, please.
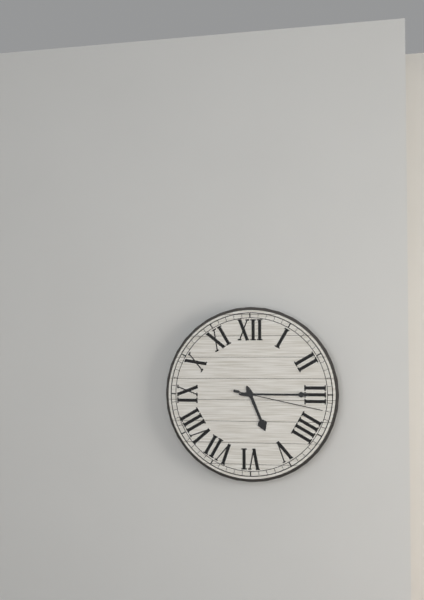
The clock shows 5:15:17
